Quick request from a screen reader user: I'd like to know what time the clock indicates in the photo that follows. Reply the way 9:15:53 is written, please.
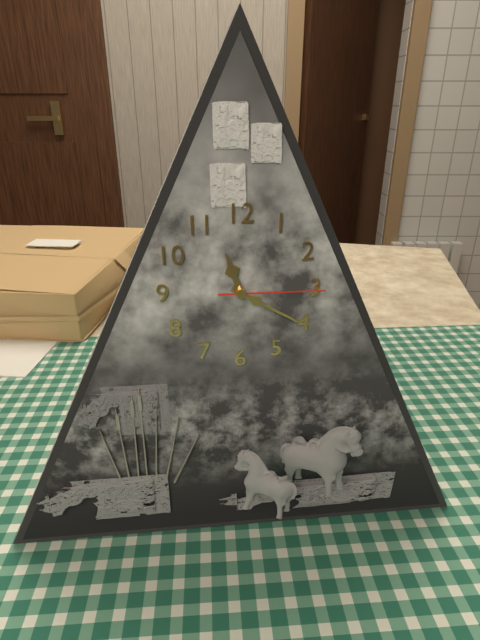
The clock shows 11:20:15
